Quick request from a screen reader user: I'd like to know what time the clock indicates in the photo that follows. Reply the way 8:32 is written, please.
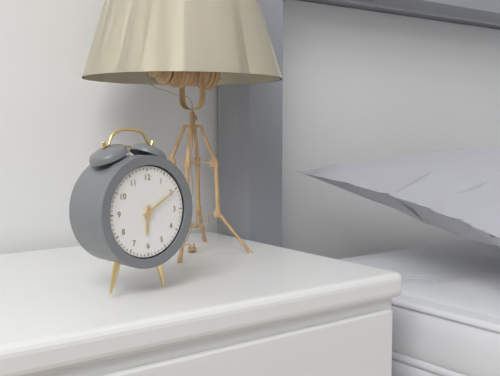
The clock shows 6:10
